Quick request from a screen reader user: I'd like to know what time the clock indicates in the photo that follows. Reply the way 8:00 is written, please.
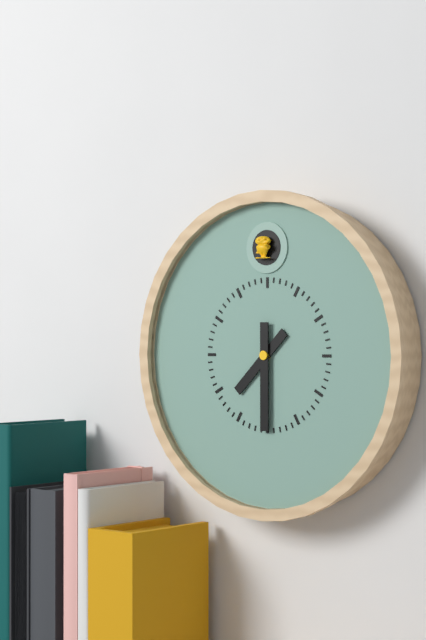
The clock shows 7:30
